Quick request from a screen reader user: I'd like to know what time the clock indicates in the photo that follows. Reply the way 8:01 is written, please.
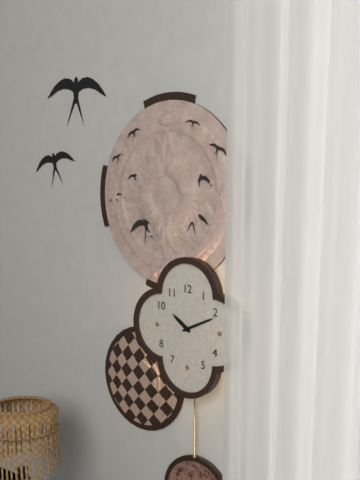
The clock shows 10:11
